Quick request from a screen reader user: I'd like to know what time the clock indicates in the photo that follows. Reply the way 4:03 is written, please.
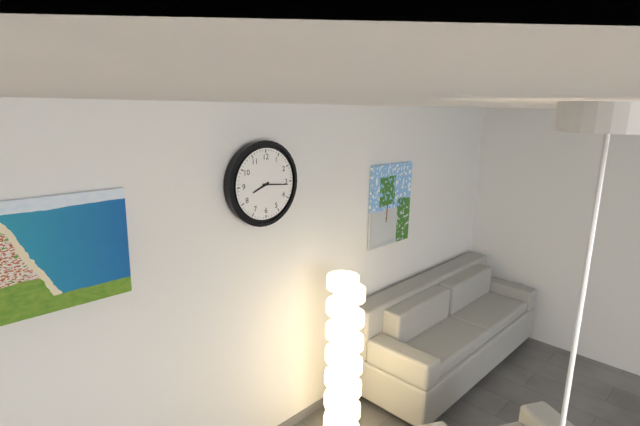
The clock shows 8:16
